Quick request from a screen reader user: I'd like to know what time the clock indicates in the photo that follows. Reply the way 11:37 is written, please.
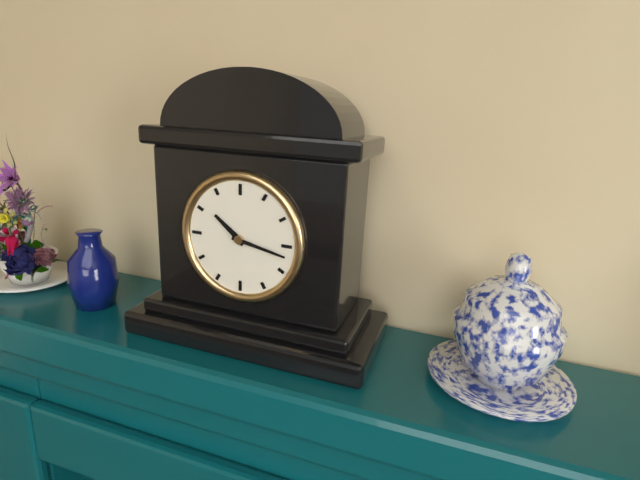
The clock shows 10:17
